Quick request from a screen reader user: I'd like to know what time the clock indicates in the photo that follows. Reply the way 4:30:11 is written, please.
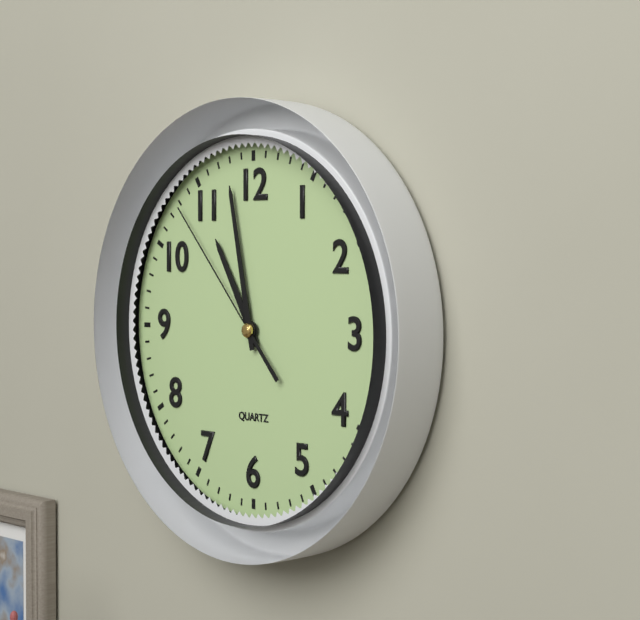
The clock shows 10:58:53
